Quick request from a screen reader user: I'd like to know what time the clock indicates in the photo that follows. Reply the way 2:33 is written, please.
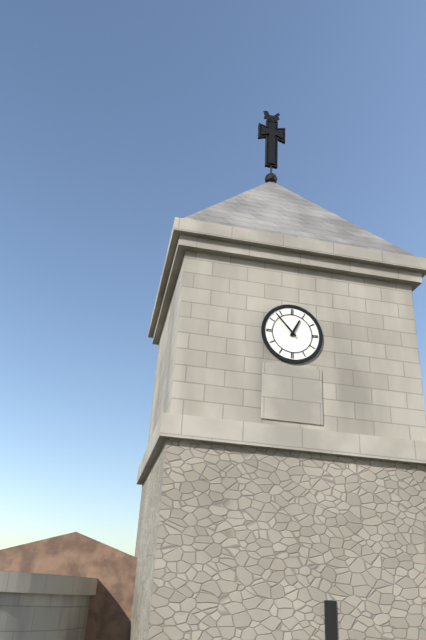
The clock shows 12:53
